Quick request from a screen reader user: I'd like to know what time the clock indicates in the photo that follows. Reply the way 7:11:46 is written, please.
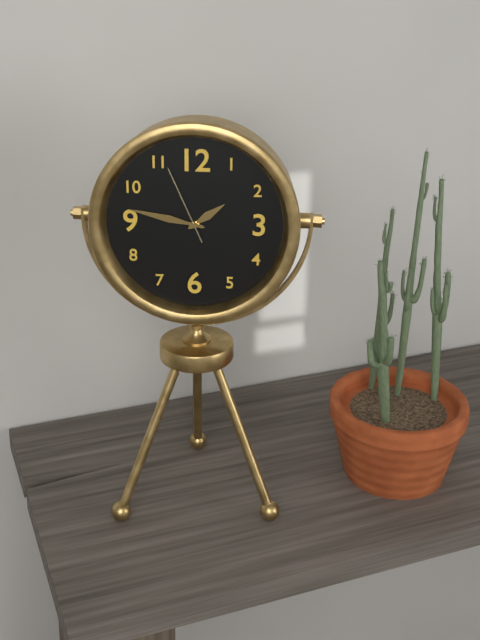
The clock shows 1:47:56
